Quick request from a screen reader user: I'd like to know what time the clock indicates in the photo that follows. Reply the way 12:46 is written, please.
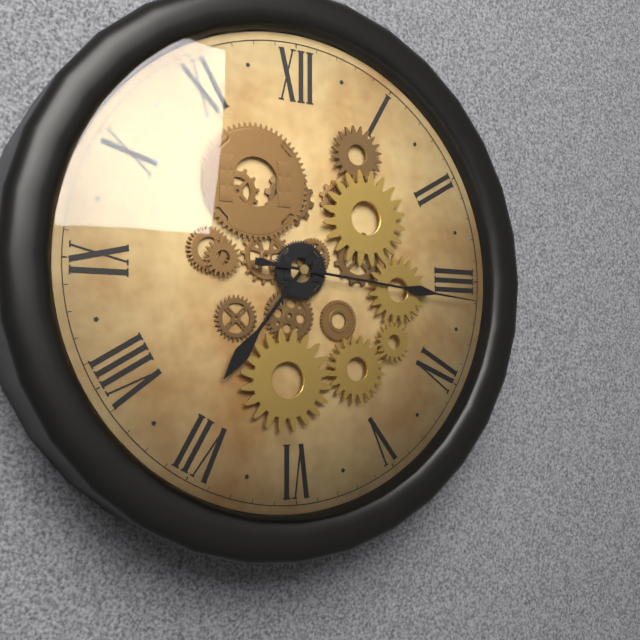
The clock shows 7:16
